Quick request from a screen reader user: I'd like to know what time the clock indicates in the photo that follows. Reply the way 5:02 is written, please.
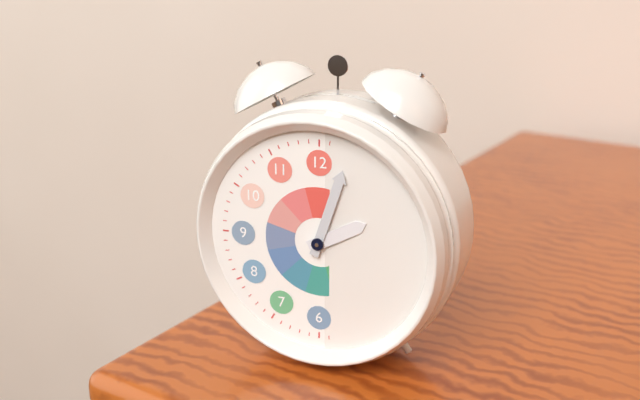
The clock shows 2:03
